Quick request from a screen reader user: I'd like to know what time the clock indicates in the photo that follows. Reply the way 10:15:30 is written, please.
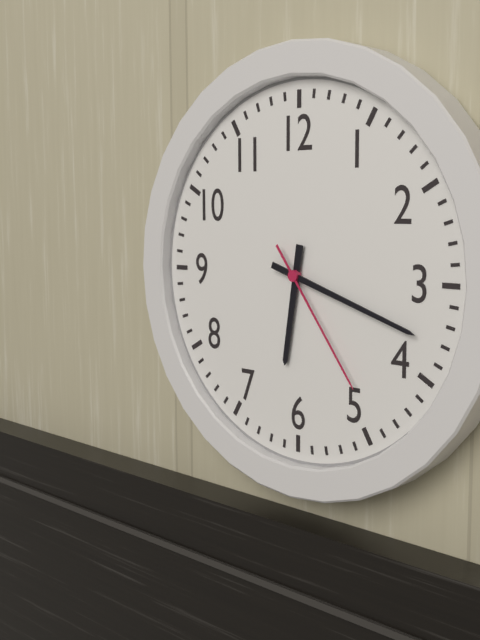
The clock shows 6:18:24
